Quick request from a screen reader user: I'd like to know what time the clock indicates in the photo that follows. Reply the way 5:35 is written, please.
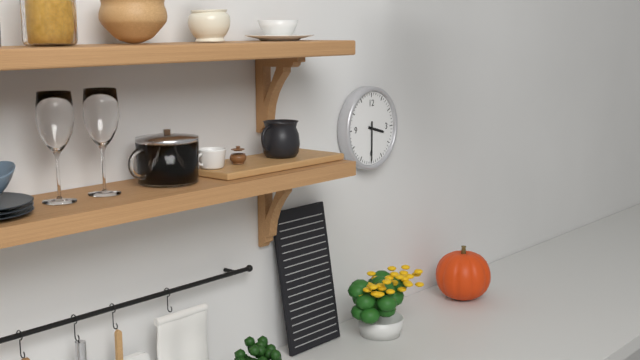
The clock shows 3:30
